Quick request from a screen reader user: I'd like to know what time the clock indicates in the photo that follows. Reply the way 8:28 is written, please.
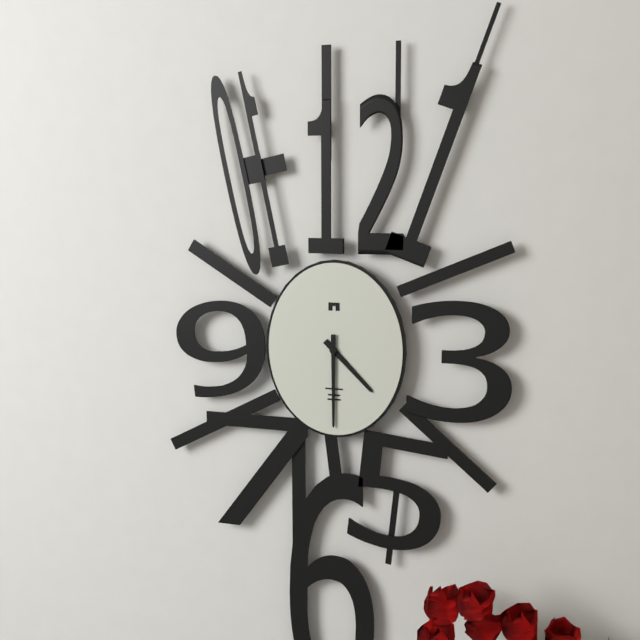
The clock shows 4:30
